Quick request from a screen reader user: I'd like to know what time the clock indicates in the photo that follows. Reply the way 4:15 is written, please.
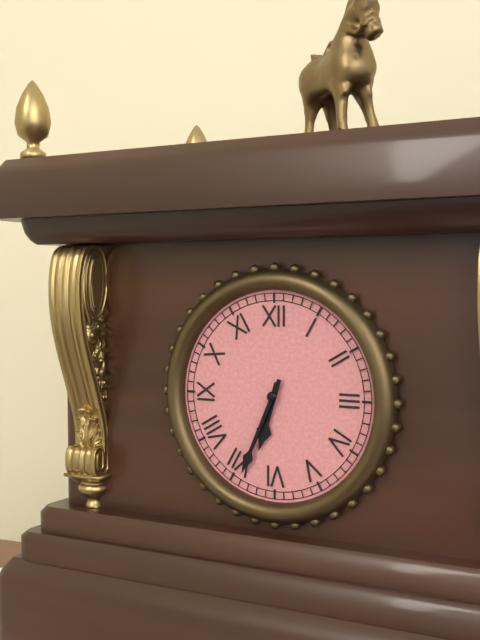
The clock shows 6:34
